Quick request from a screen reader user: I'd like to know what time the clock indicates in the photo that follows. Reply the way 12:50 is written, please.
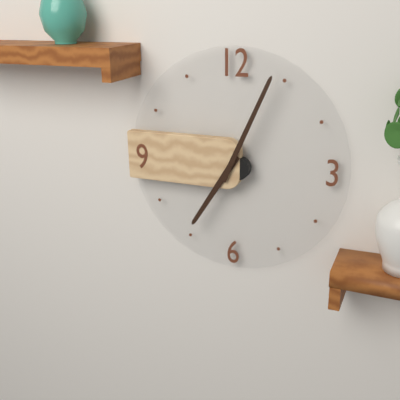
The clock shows 7:04
